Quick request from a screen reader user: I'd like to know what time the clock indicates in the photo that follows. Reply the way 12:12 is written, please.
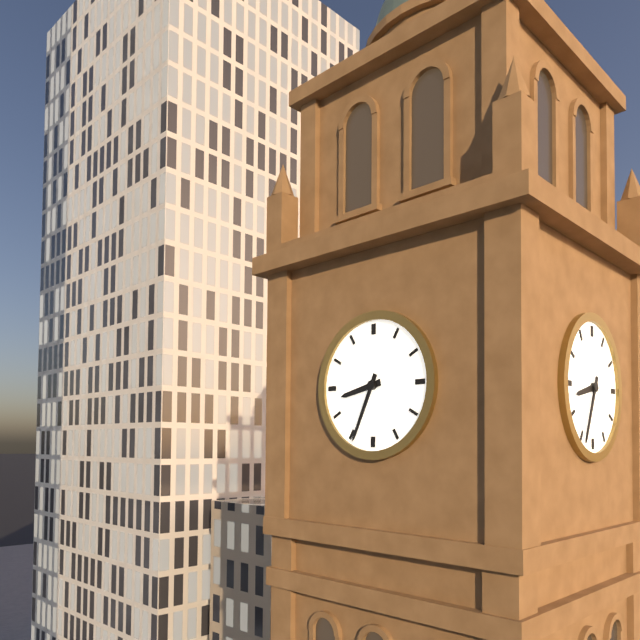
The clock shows 8:34
